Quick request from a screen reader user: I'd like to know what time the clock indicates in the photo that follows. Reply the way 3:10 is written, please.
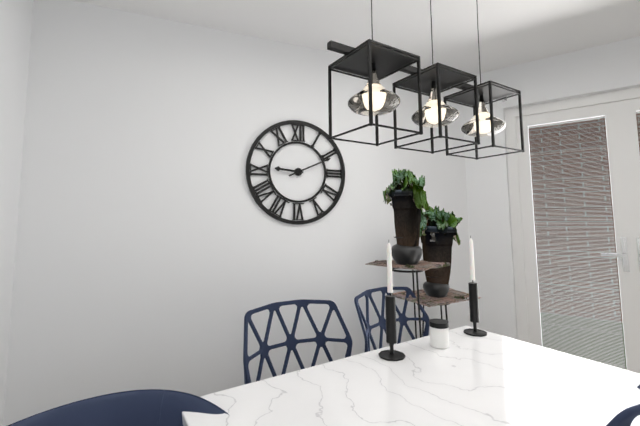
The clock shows 9:11
